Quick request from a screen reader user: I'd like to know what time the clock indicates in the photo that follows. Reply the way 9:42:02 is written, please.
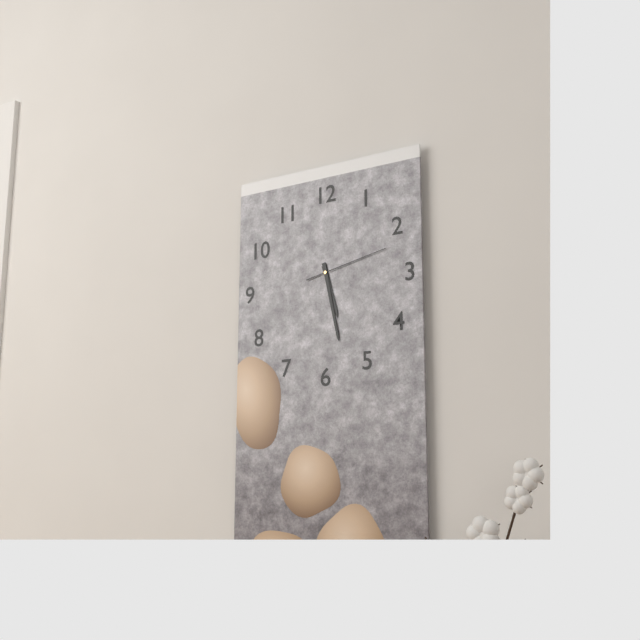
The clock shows 5:28:13
